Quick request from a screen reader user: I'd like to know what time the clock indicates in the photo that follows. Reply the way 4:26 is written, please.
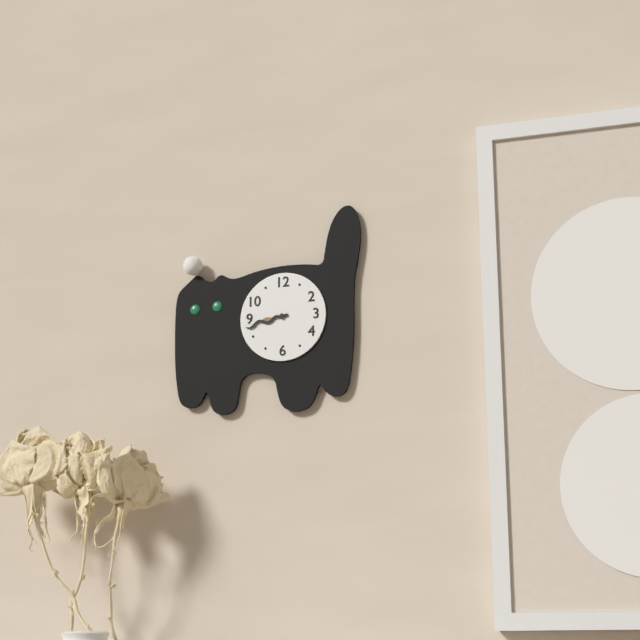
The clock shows 8:43
